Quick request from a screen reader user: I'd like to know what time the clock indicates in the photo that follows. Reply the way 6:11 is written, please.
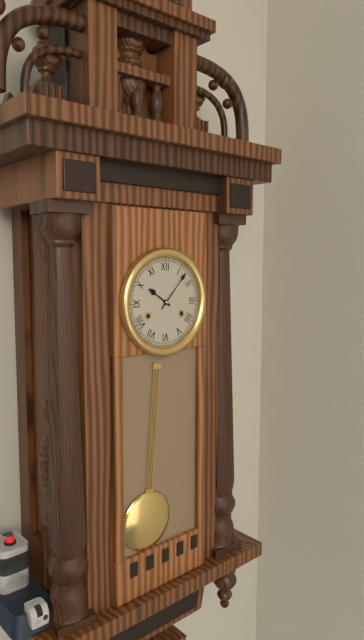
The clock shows 10:07
